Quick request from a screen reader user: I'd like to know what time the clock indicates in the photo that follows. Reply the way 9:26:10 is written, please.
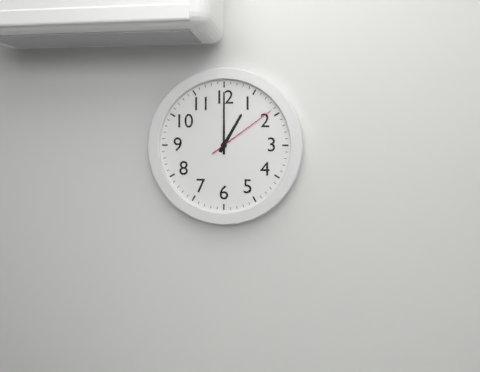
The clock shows 1:00:09
